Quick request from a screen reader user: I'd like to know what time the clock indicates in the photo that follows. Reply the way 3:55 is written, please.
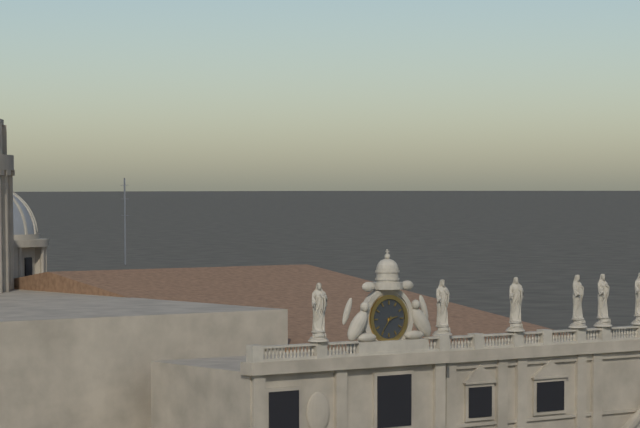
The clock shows 2:36
